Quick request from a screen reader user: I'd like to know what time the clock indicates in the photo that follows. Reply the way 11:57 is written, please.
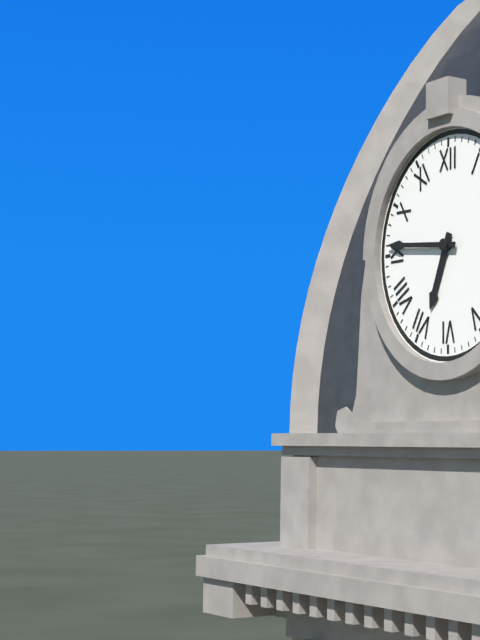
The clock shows 6:46
